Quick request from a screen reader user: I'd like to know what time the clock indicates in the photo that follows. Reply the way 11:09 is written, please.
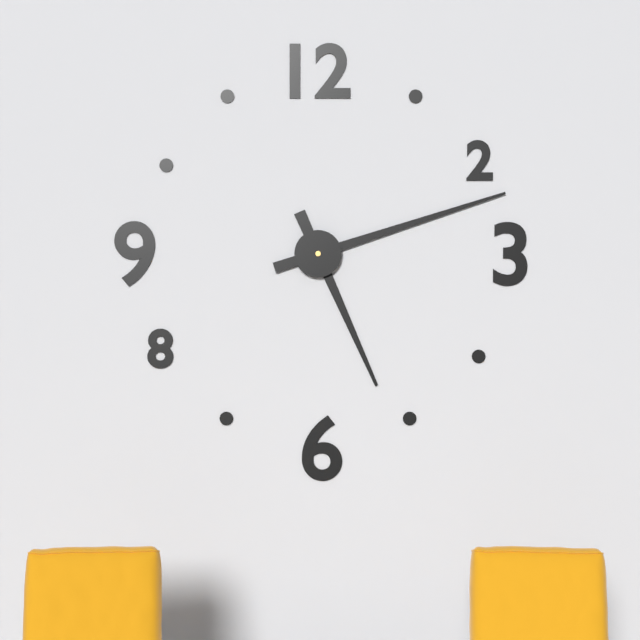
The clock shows 5:12
